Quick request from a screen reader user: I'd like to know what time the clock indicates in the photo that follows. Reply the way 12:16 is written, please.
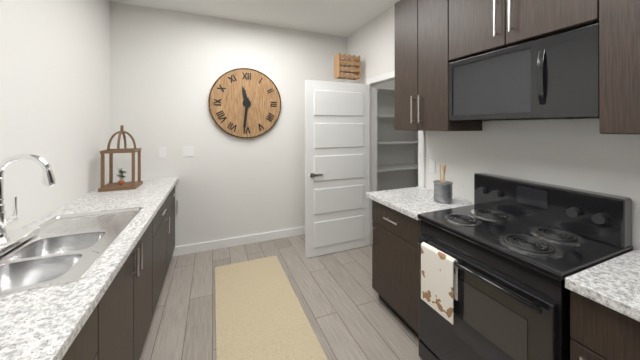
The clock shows 11:31
